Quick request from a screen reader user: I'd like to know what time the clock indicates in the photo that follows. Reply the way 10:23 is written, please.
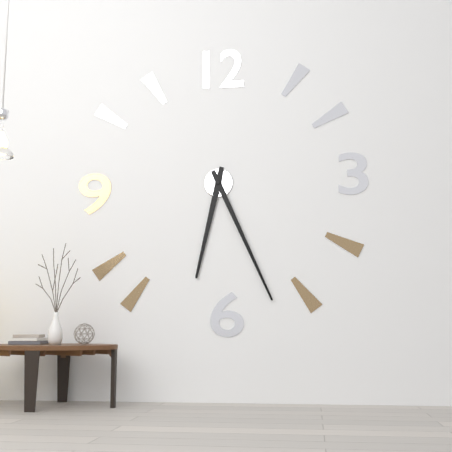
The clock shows 6:26
